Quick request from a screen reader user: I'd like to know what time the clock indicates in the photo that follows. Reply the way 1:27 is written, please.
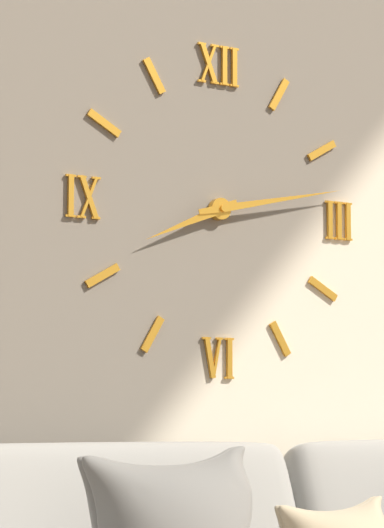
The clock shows 8:13
